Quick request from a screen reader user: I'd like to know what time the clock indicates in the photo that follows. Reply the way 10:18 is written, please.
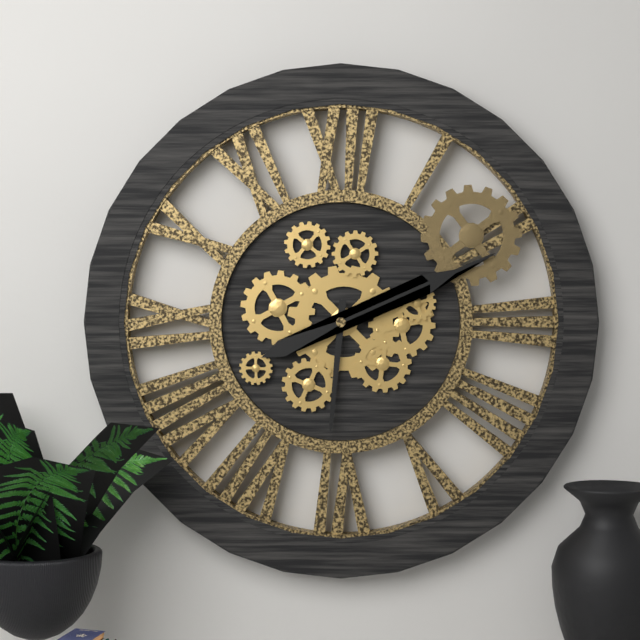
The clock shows 6:11
